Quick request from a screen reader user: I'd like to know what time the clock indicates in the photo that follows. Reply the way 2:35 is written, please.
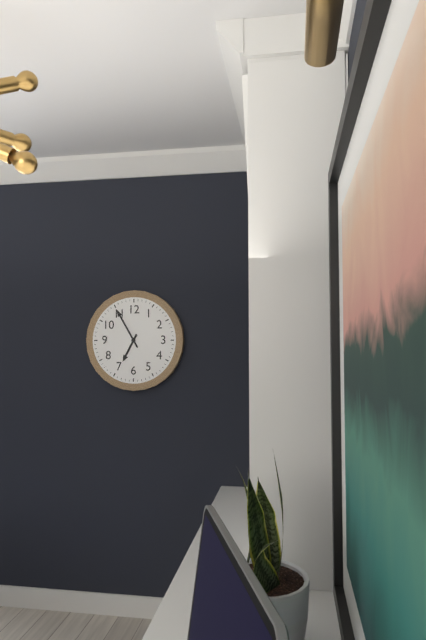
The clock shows 6:55
